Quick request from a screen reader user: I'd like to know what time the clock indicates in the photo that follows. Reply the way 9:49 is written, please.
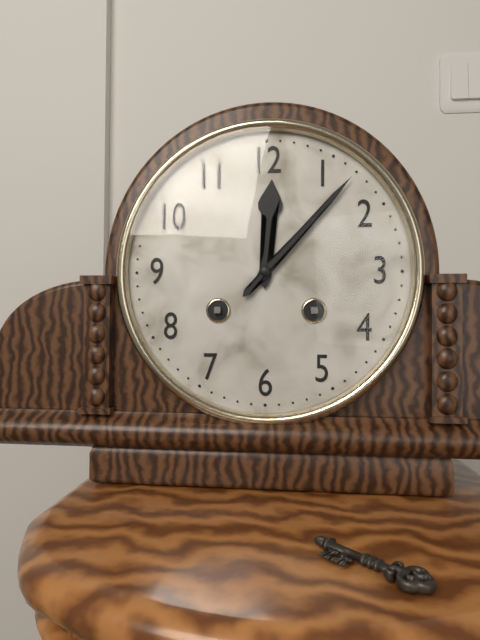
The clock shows 12:07
